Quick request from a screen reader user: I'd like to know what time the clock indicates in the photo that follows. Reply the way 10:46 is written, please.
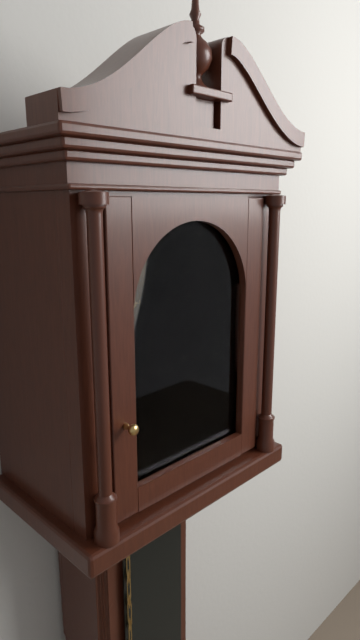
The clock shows 6:37
